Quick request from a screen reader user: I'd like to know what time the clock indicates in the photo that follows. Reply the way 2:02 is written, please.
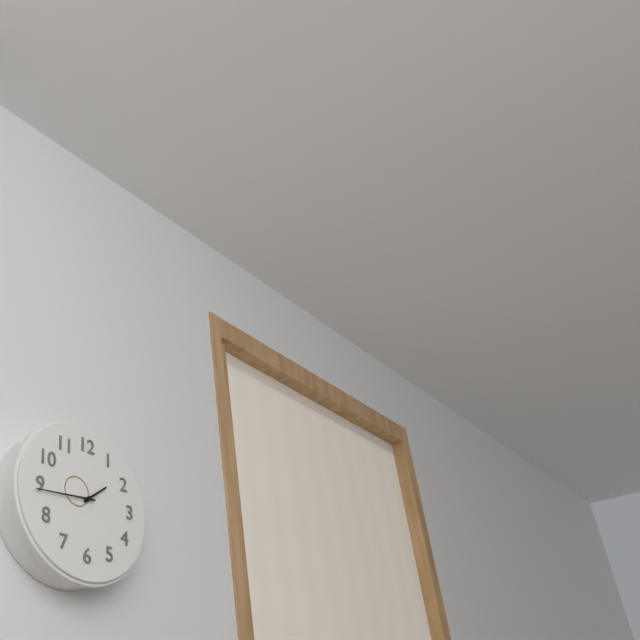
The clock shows 1:44
